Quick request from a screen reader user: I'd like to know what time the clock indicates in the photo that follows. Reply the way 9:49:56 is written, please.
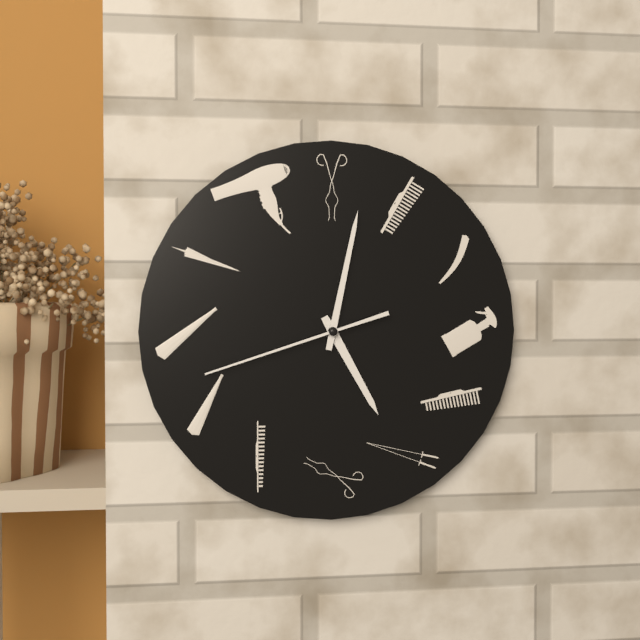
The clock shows 5:02:42
